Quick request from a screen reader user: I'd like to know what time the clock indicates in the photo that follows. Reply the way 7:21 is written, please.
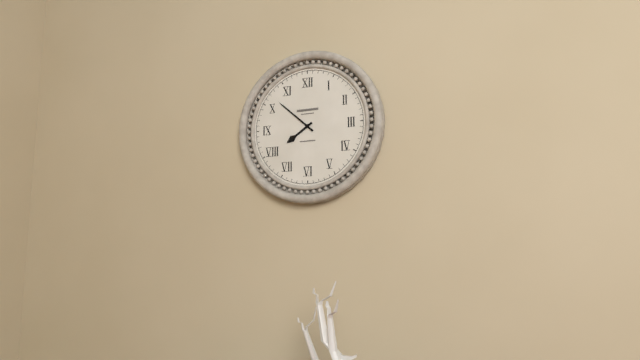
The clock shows 7:52
